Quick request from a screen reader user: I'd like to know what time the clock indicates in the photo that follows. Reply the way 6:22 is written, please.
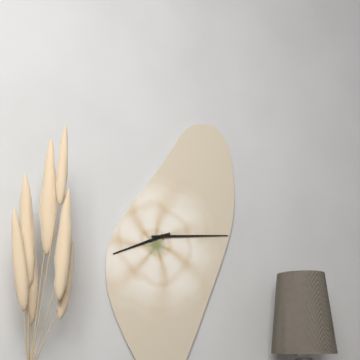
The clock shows 8:14
